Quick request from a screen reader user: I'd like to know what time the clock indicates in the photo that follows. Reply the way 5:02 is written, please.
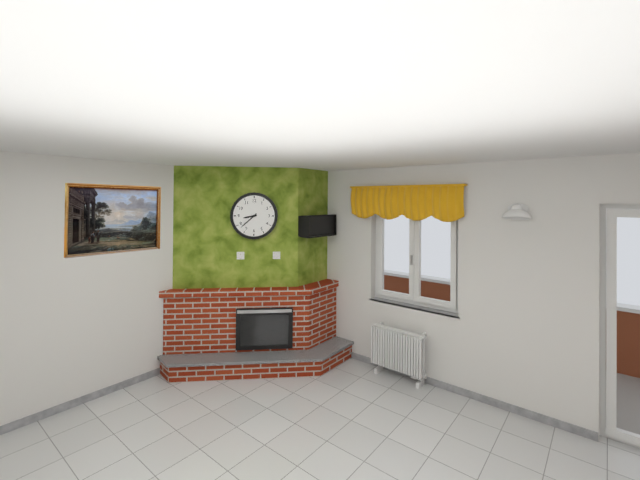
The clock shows 8:38
